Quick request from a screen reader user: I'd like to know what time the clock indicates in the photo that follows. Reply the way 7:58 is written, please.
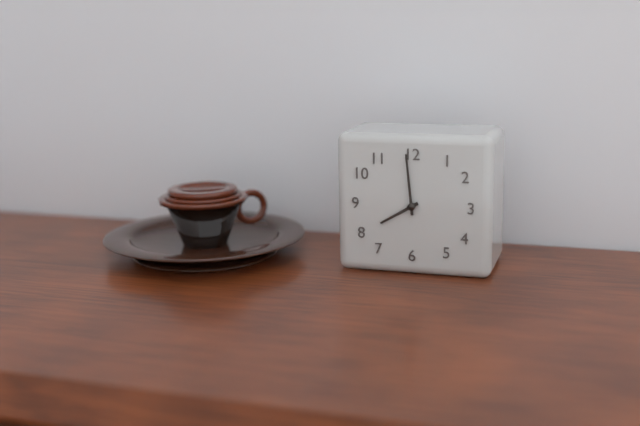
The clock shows 7:59
